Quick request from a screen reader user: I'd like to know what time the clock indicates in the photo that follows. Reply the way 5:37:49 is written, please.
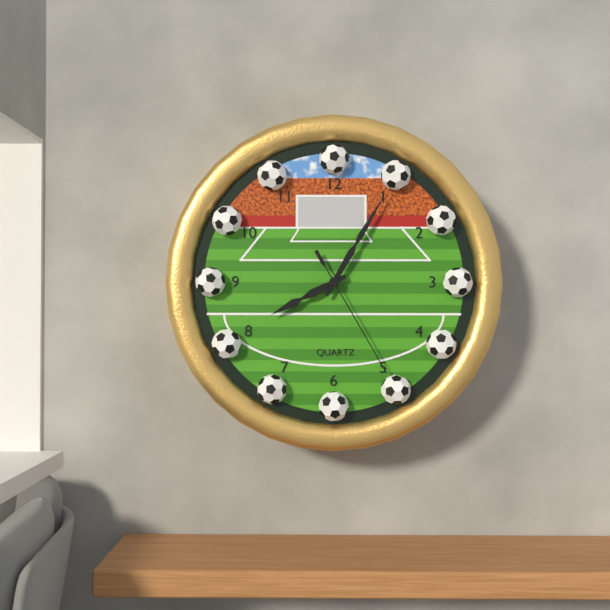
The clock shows 8:05:25
